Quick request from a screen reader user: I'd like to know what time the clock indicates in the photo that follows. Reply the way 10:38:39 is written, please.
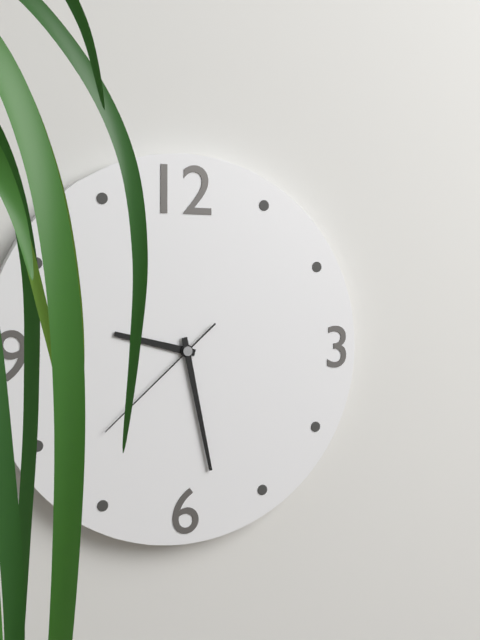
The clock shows 9:28:38
